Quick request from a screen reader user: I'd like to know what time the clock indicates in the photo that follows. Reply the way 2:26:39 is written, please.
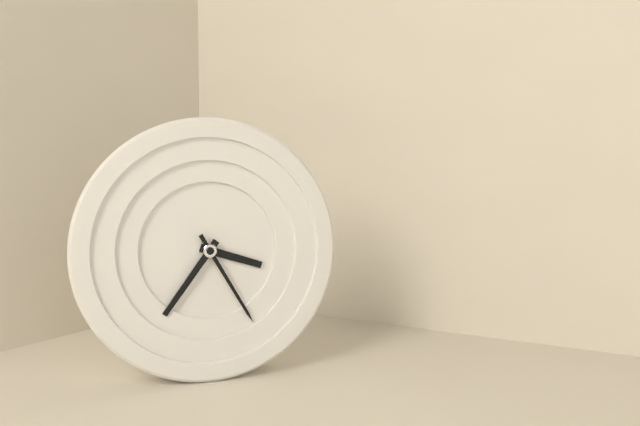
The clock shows 3:36:25
